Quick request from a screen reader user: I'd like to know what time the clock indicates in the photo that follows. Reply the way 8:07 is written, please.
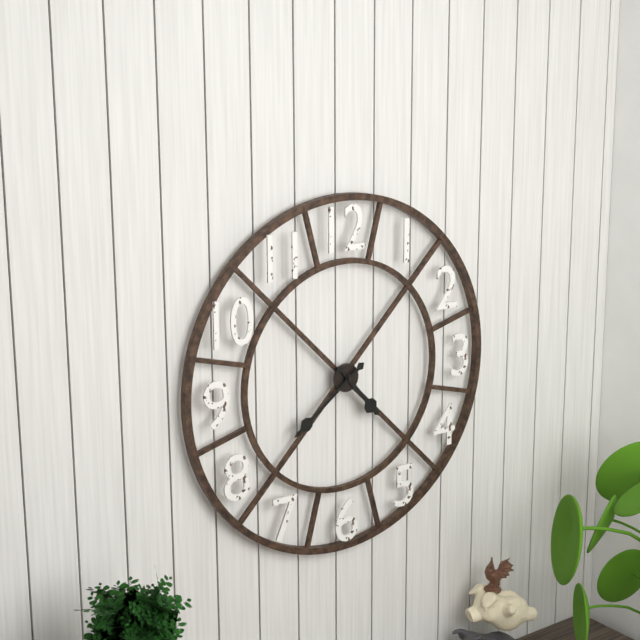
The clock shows 4:39
